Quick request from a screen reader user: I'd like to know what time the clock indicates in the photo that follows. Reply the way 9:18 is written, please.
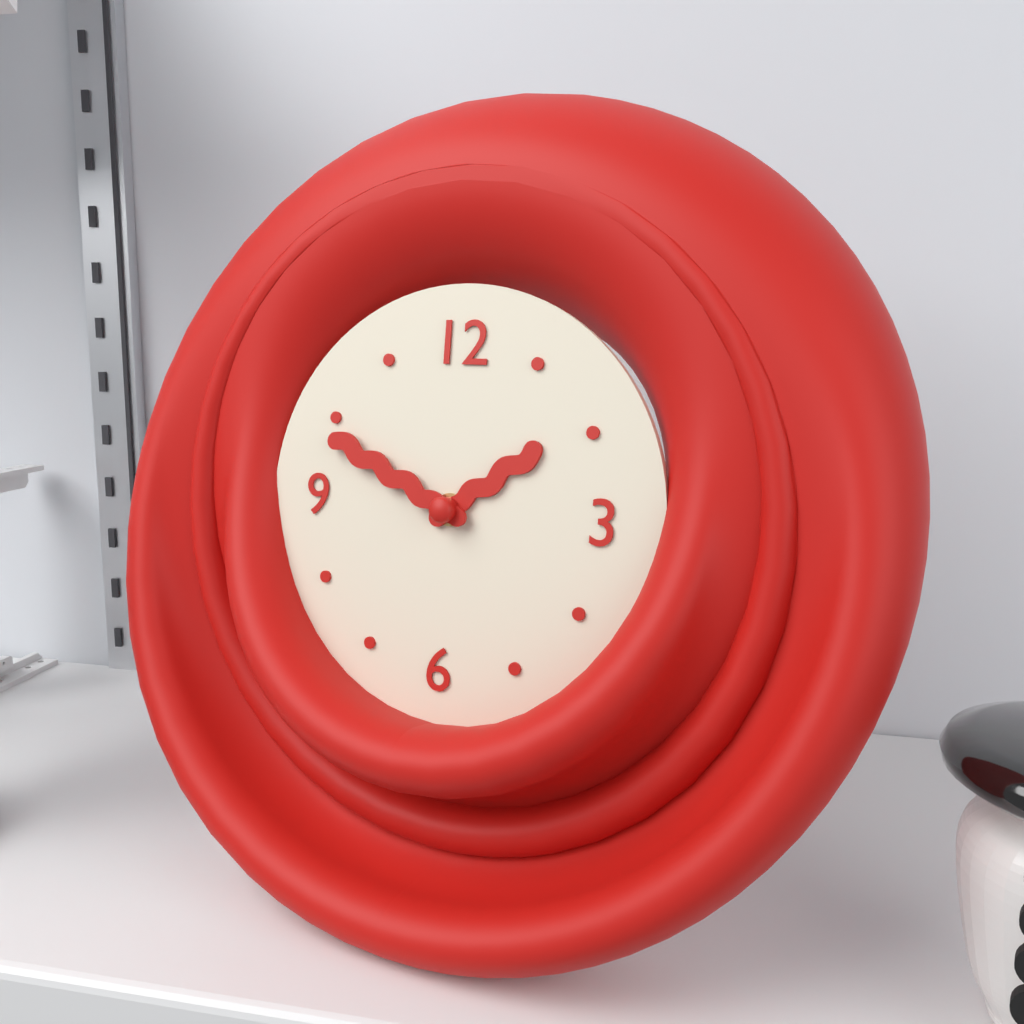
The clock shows 1:49
